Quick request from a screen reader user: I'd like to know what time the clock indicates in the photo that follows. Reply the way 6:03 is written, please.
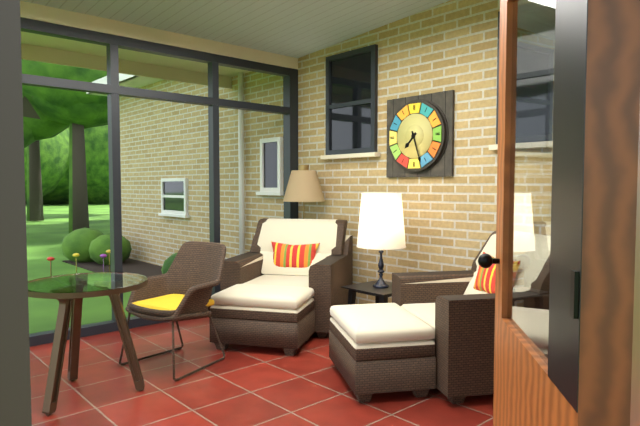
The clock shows 7:27
